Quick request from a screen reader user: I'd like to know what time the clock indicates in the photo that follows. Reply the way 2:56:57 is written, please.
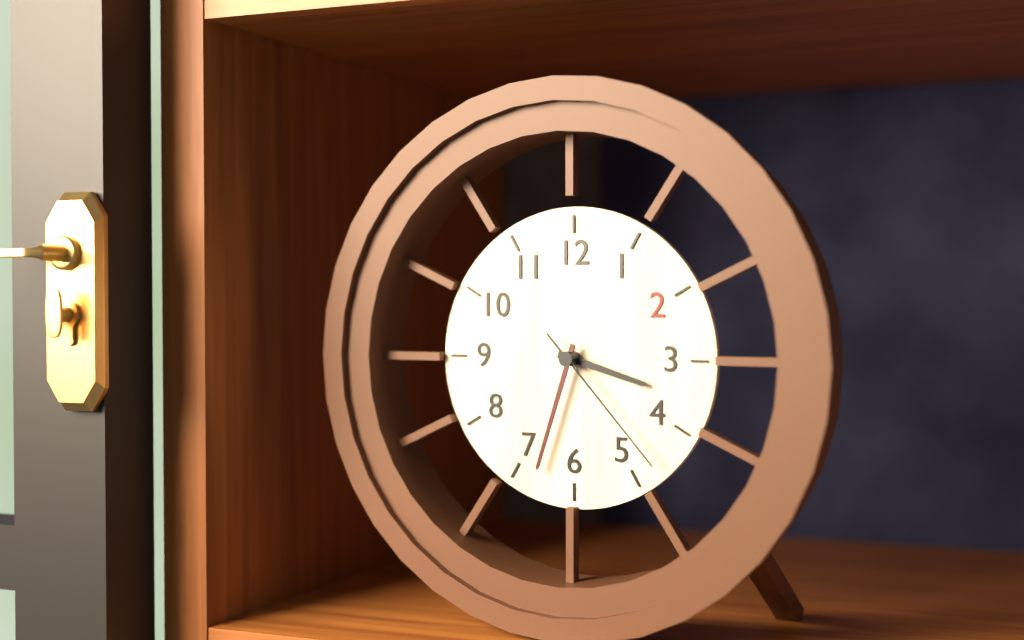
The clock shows 3:33:23
